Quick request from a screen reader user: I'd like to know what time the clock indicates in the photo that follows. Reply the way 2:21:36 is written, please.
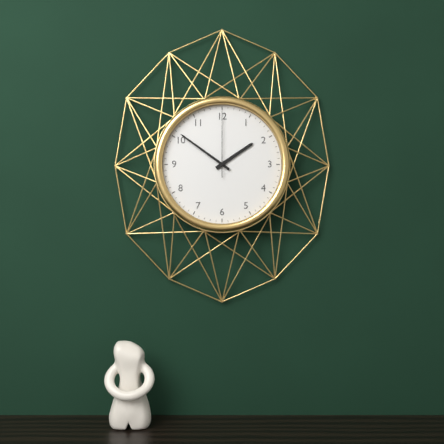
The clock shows 1:51:00
